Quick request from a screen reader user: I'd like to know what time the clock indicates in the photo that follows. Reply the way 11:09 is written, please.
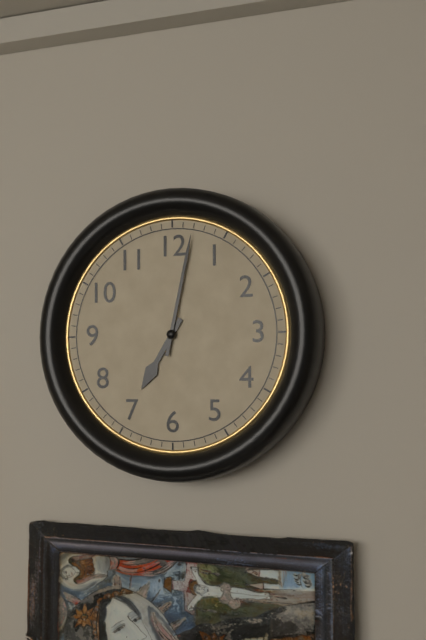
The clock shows 7:02
